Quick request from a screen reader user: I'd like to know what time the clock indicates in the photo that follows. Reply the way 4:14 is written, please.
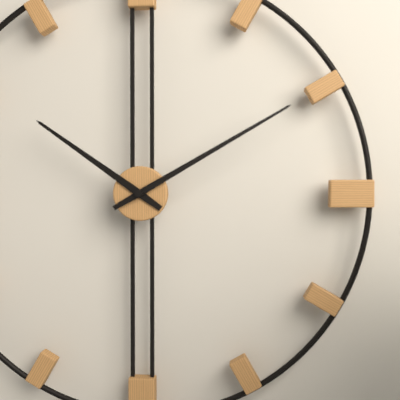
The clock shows 10:10
